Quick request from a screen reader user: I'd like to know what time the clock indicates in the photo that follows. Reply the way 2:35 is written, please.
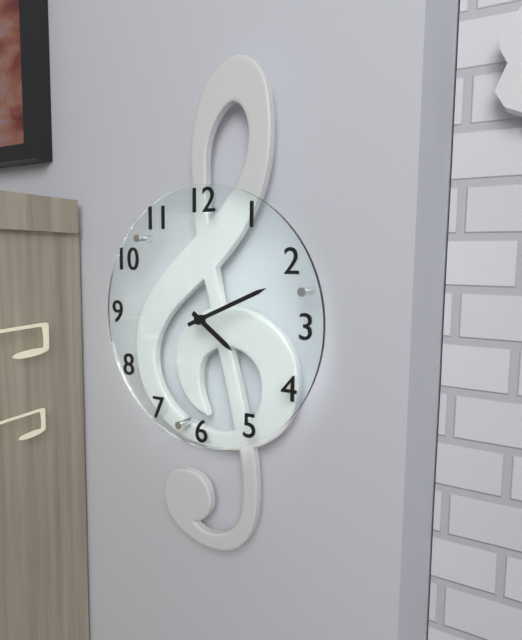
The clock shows 4:11
